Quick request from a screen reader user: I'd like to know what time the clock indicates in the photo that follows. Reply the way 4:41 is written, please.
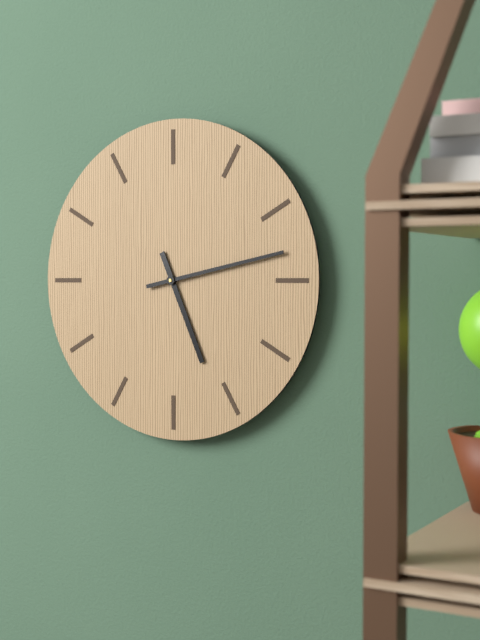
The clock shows 5:13
